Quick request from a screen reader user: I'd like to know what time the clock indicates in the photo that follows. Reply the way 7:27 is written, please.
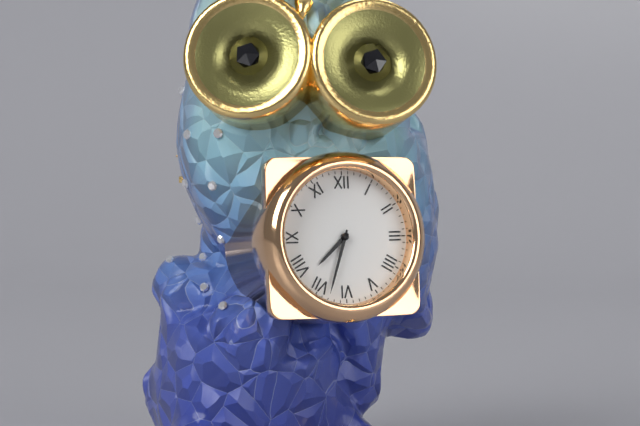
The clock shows 7:33
